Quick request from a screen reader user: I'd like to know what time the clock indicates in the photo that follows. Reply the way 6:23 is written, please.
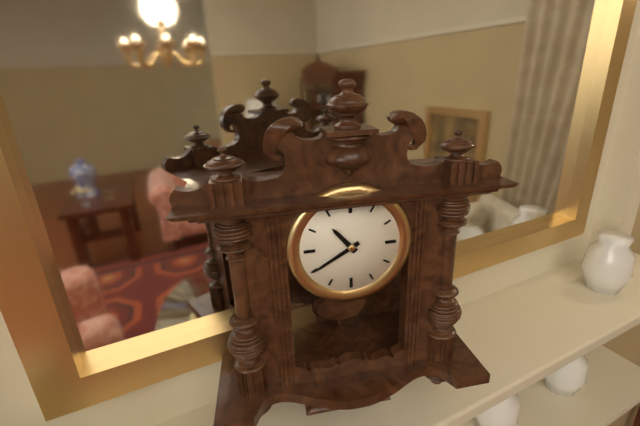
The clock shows 10:40
